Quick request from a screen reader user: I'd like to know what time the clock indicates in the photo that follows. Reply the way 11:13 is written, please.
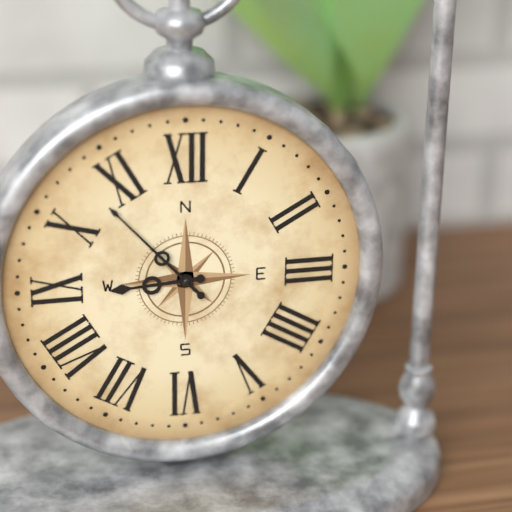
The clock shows 8:53
